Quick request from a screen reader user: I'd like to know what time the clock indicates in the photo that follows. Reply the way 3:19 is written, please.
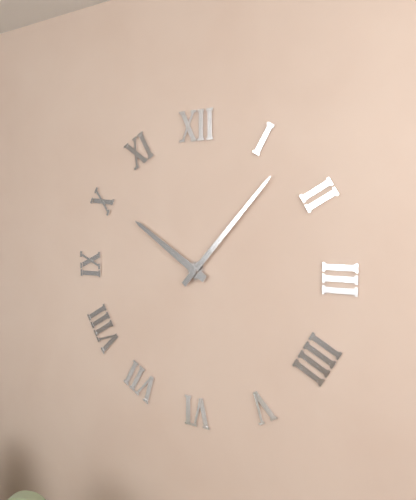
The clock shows 10:07
